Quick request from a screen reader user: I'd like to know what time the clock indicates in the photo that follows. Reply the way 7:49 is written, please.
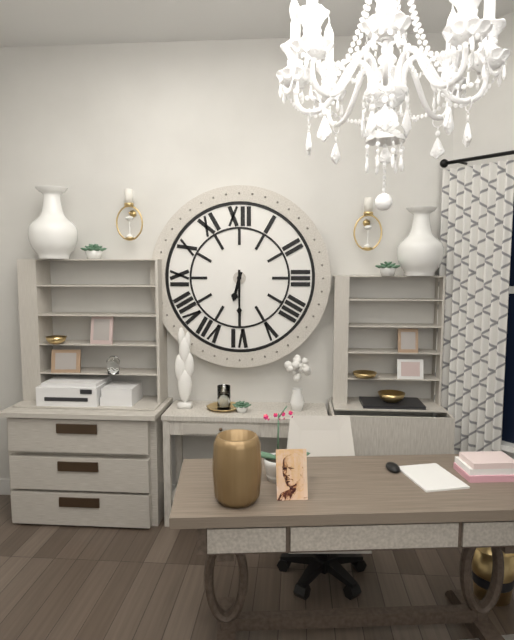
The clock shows 6:30
